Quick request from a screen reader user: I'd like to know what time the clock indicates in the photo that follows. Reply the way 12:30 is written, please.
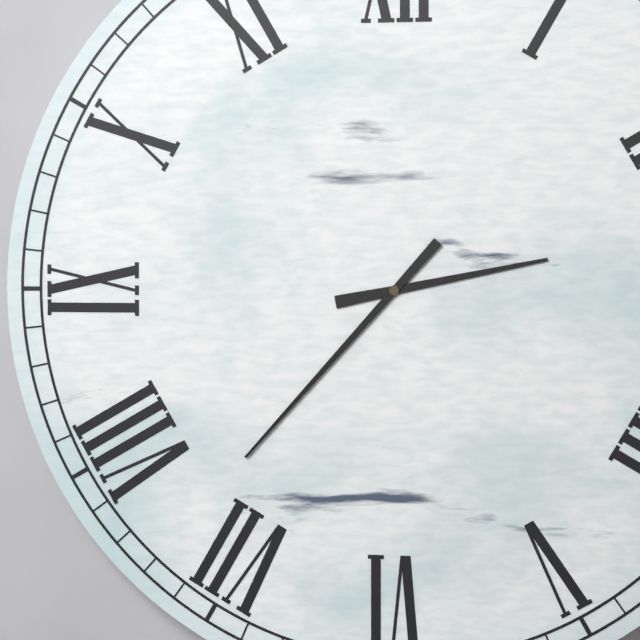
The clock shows 2:37
